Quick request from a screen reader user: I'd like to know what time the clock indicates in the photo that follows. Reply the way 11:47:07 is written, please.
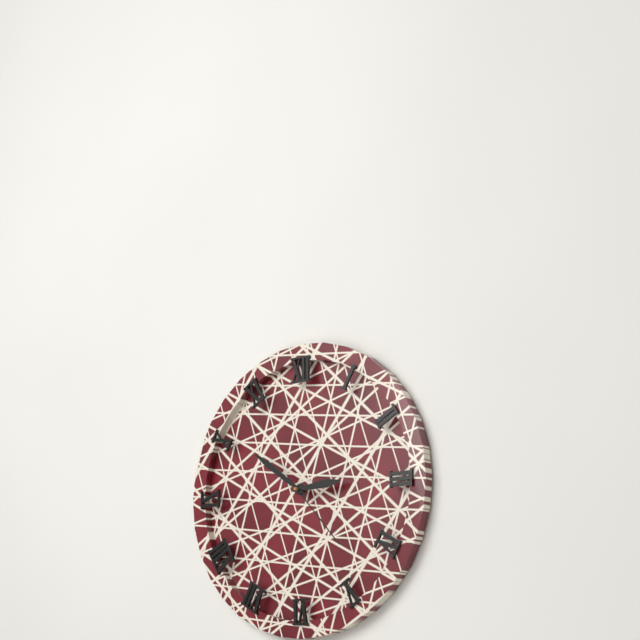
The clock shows 2:51:23
